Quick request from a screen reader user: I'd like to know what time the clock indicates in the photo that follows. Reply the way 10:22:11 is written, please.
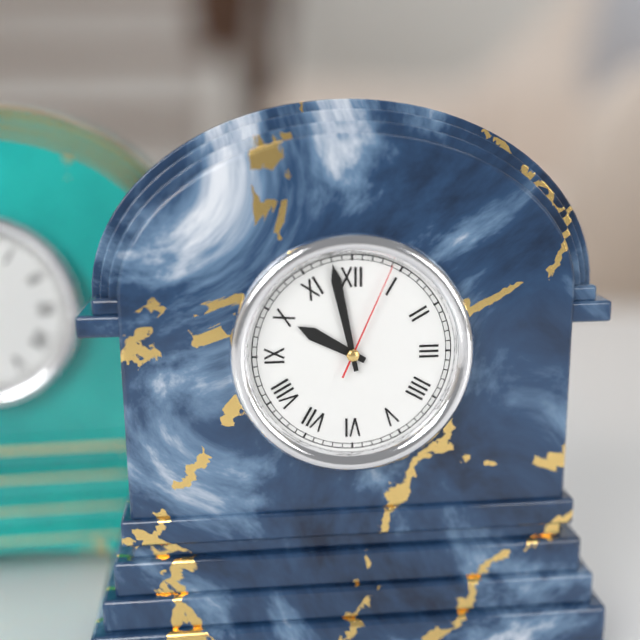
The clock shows 9:58:04
